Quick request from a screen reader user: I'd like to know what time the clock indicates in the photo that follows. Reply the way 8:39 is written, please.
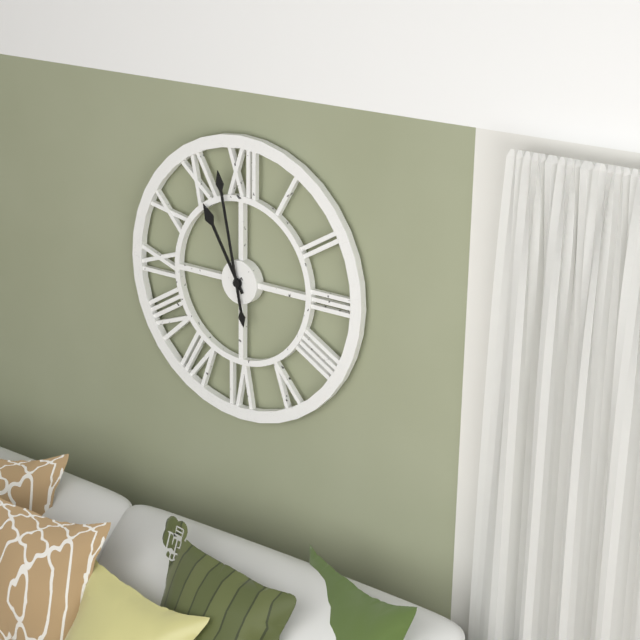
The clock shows 10:58
